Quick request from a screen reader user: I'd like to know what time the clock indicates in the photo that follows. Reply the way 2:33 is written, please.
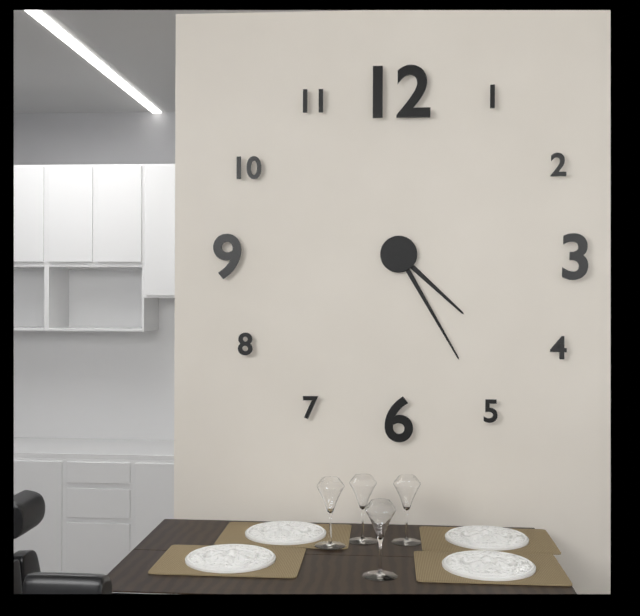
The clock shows 4:25
